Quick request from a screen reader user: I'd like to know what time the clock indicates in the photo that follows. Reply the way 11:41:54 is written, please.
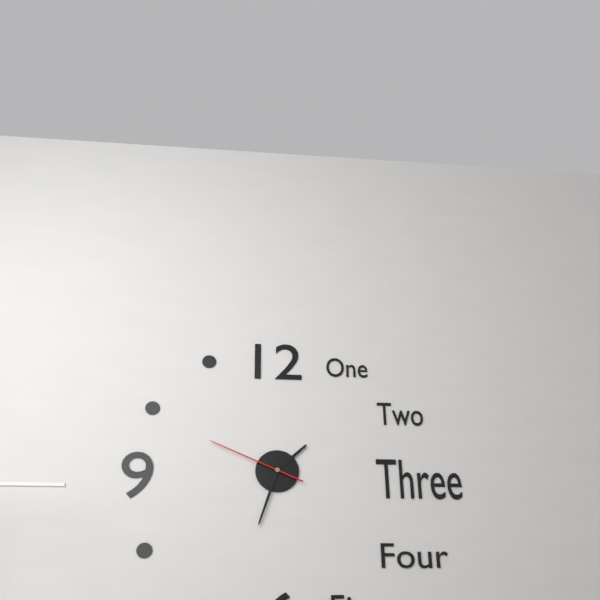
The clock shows 1:33:49
